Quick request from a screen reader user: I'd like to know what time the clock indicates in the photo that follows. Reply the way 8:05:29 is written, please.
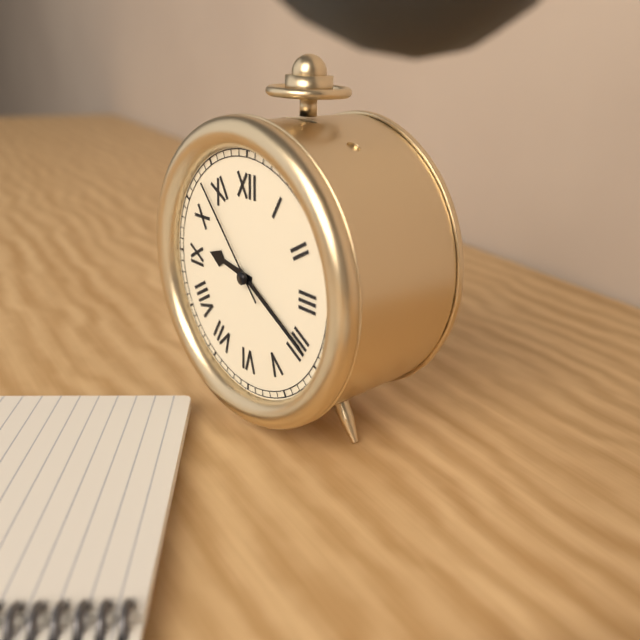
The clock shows 9:20:53
